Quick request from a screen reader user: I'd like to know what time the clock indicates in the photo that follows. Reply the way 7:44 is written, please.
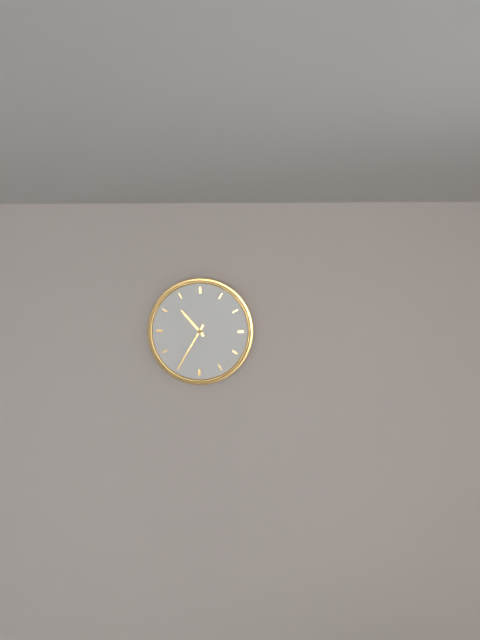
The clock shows 10:35
